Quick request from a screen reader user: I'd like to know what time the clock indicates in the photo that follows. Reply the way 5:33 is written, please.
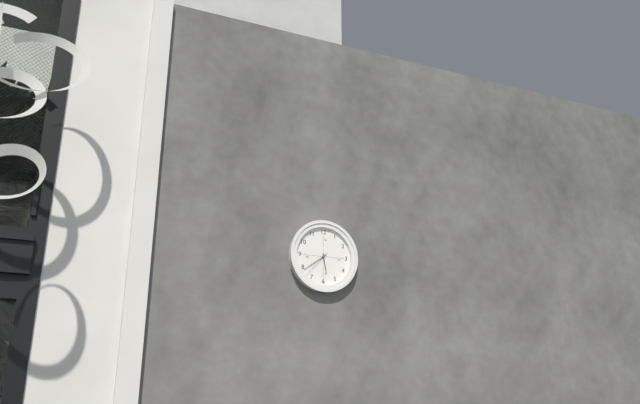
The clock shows 5:39
